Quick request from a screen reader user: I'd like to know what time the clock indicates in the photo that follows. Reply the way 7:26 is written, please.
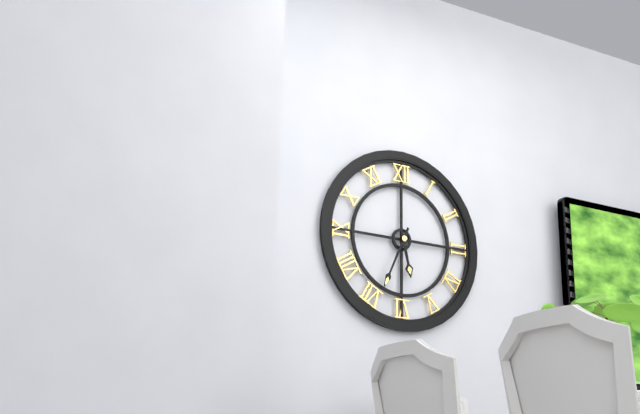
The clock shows 5:34
